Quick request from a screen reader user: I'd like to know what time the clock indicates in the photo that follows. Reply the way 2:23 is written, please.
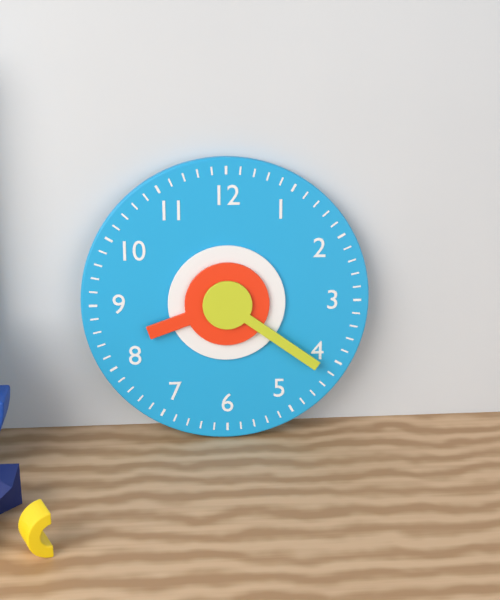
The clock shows 8:21
